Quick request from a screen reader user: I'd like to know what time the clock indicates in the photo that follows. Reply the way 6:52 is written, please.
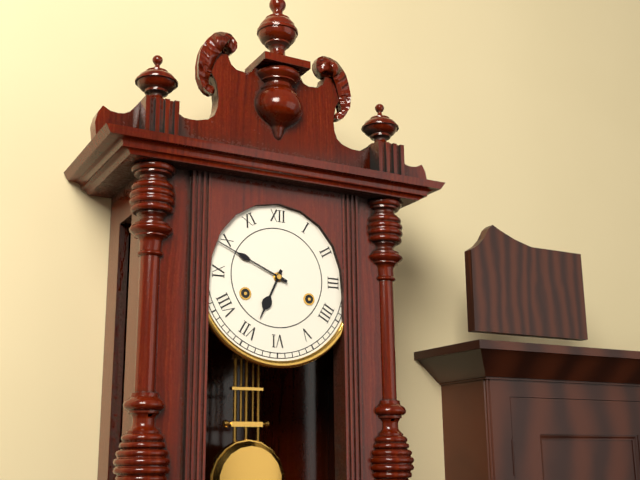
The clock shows 6:49
